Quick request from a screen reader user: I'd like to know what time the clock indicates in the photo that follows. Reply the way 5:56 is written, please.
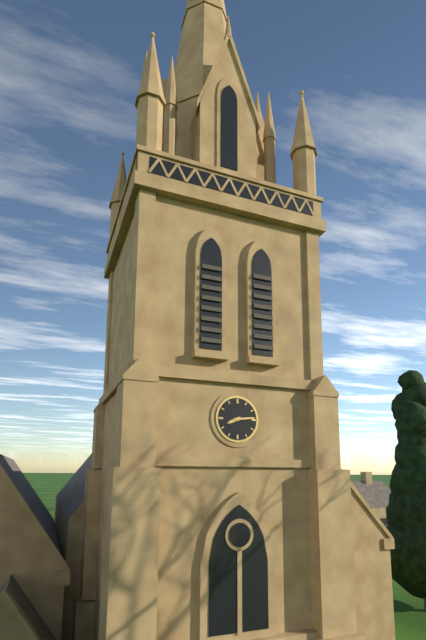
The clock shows 8:14
